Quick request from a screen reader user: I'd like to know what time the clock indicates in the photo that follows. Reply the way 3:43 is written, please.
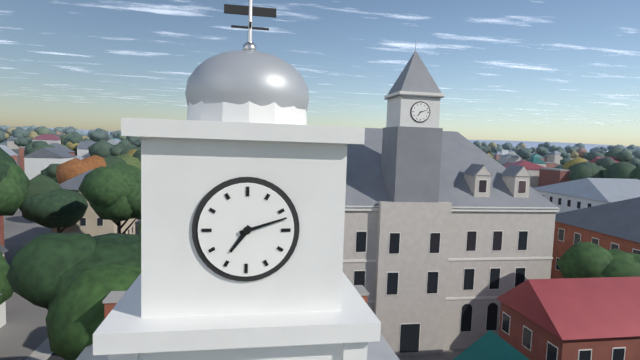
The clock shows 7:12
